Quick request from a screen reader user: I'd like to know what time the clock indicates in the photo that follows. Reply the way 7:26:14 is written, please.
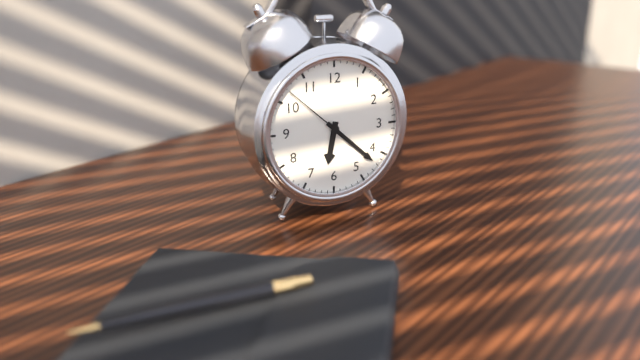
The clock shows 6:22:52
